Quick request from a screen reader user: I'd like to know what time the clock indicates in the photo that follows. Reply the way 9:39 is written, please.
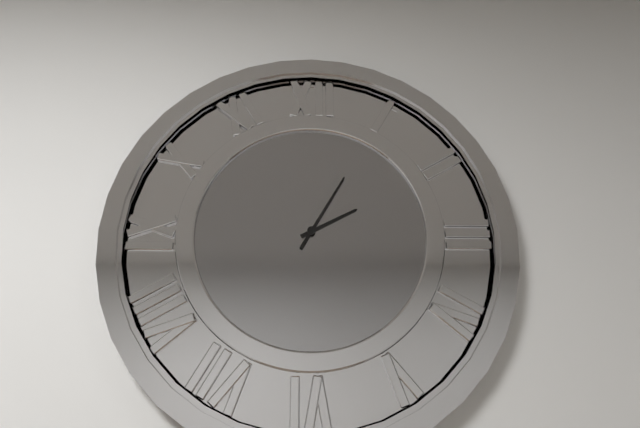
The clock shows 2:05
